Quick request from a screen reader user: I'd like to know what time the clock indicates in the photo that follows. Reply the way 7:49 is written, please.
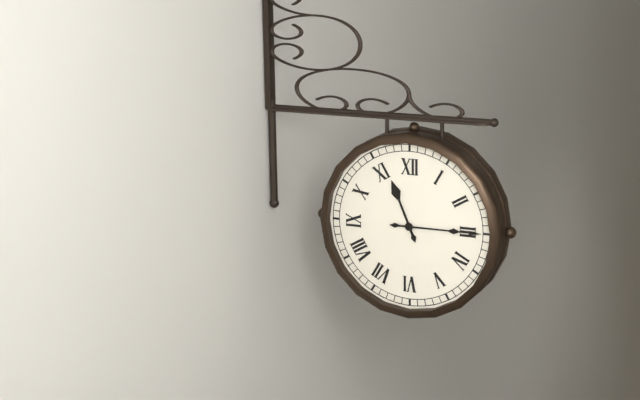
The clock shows 11:15
